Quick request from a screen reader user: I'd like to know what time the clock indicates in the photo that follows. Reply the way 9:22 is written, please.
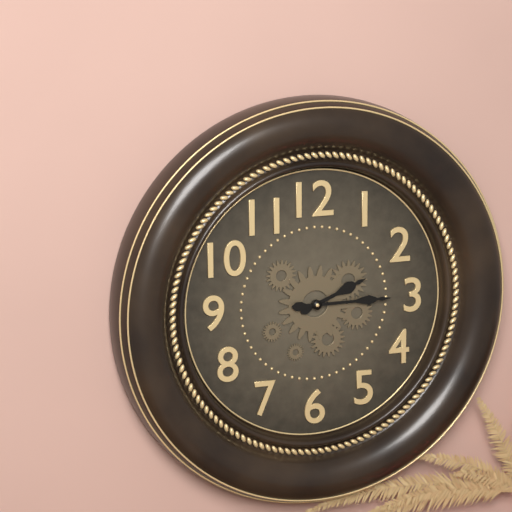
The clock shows 2:15
